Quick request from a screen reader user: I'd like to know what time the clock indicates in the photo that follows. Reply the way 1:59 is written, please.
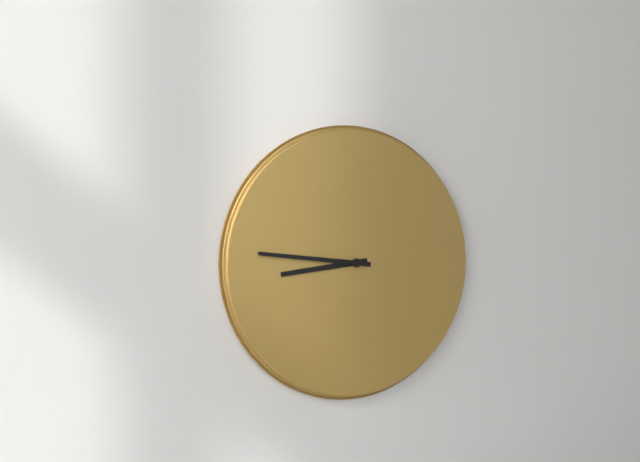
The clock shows 8:46
